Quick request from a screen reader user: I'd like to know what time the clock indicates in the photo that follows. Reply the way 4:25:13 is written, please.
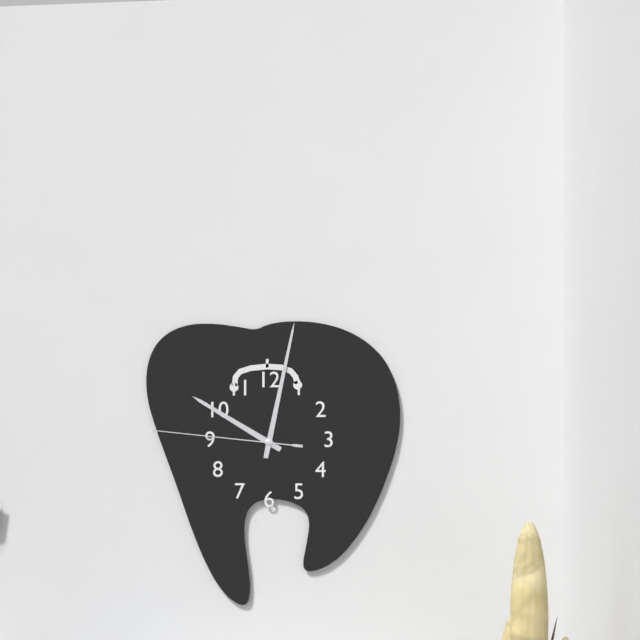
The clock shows 10:02:46
